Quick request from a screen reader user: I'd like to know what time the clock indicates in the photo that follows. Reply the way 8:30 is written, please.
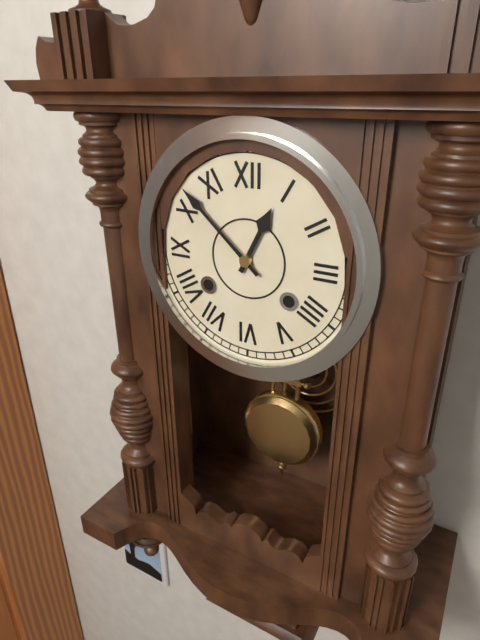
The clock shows 12:52
